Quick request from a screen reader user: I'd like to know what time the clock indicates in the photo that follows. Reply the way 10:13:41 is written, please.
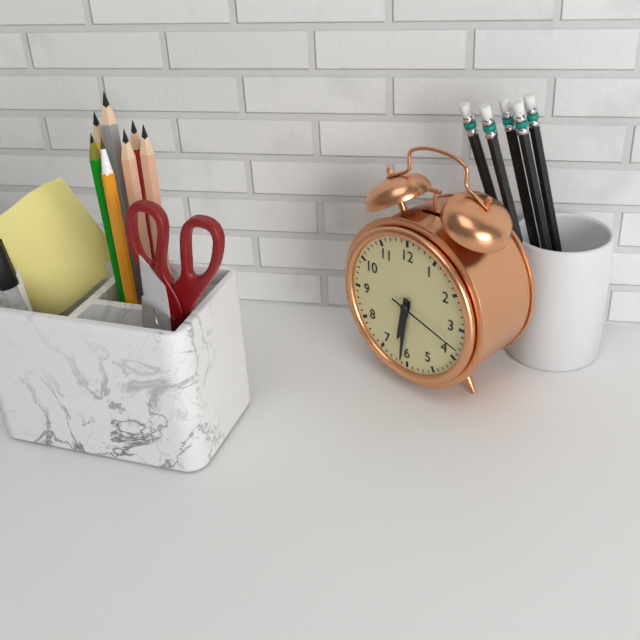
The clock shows 6:31:18
